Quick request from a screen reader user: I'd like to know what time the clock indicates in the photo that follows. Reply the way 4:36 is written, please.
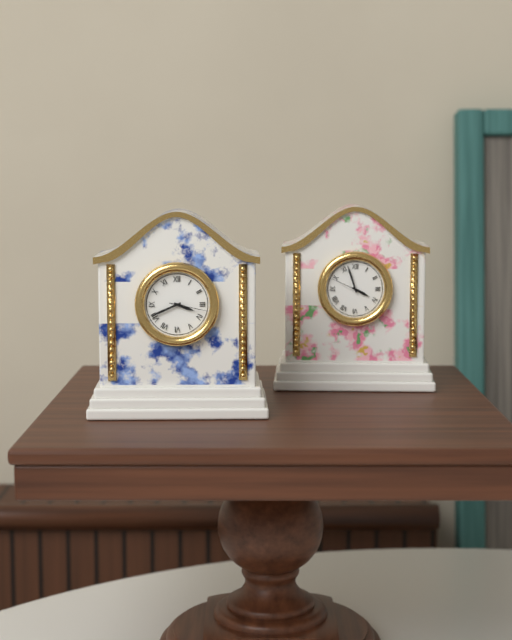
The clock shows 3:41
